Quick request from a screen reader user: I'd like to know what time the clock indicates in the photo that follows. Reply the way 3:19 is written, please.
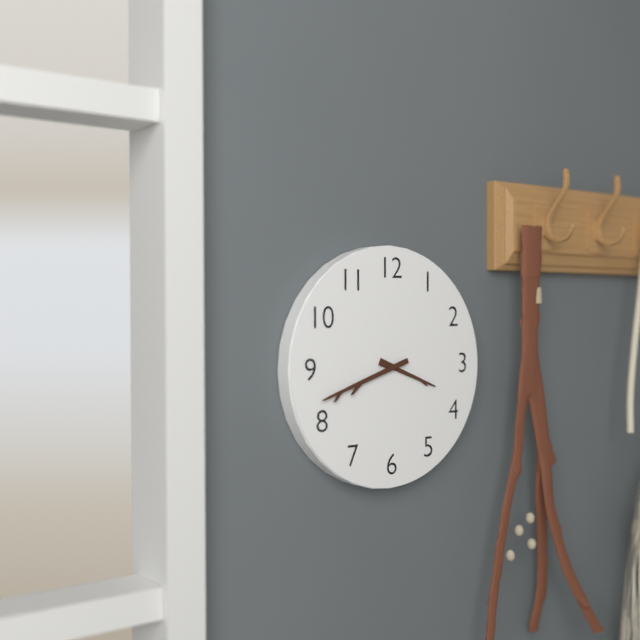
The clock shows 3:42
